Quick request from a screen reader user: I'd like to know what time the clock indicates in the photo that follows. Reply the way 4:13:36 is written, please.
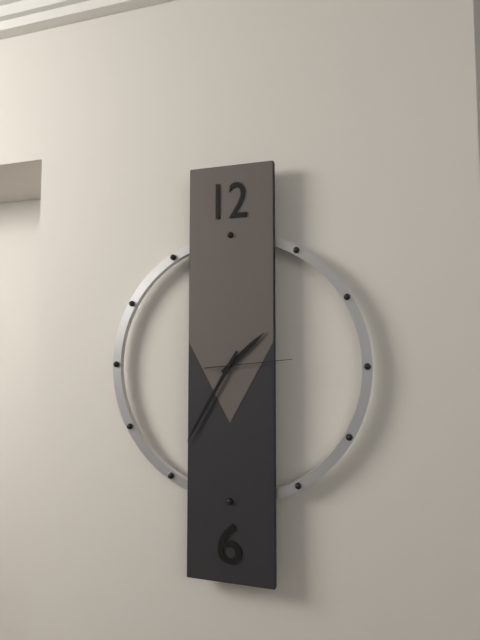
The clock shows 1:35:14
